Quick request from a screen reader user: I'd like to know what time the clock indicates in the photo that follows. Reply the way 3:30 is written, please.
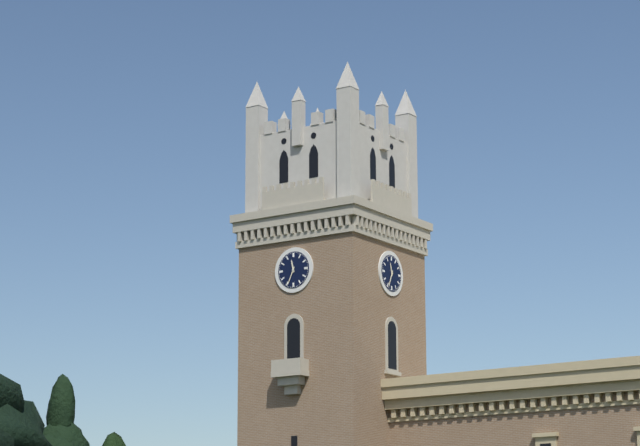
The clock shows 11:34
